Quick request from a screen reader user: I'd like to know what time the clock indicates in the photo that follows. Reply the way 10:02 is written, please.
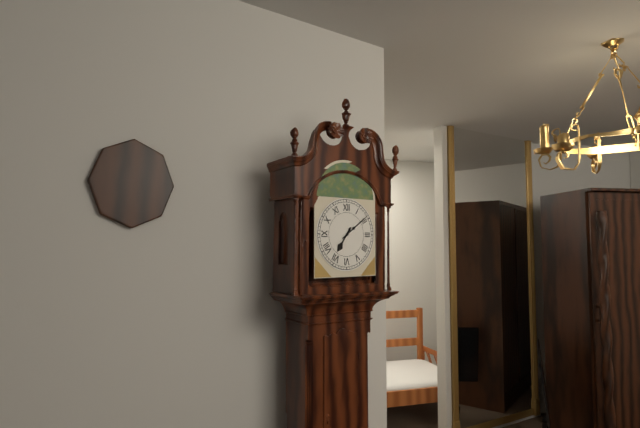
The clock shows 7:09
